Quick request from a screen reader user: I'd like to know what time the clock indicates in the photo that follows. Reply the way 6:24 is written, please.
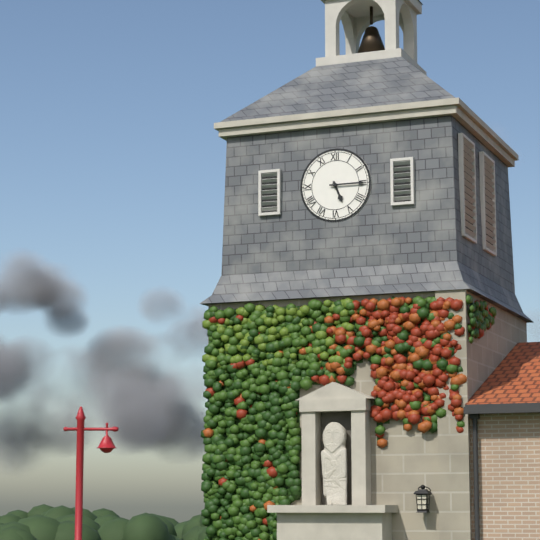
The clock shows 5:15
